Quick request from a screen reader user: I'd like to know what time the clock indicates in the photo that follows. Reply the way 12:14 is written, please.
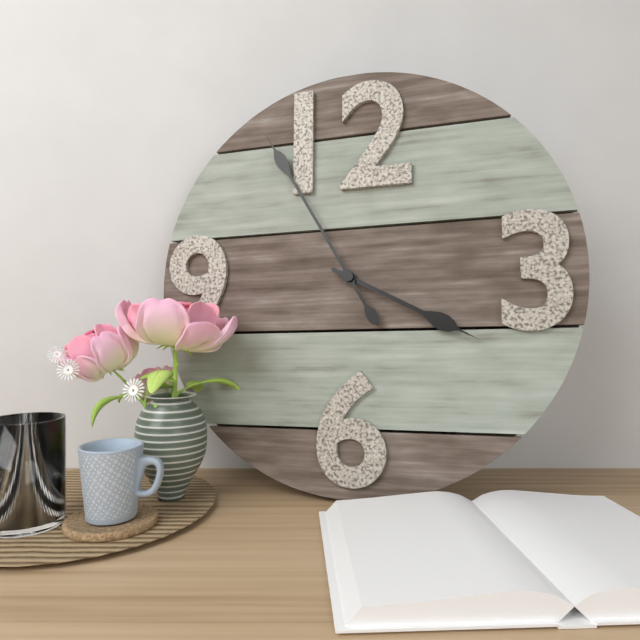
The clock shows 3:55
